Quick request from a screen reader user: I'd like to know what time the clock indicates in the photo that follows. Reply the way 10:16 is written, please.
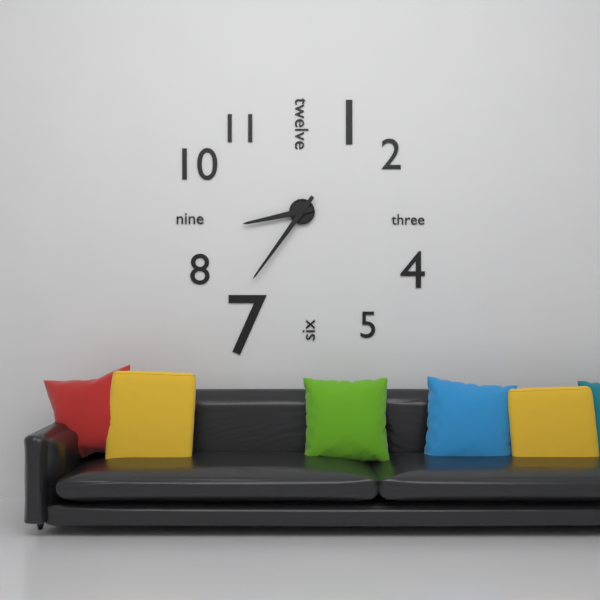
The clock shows 8:36
